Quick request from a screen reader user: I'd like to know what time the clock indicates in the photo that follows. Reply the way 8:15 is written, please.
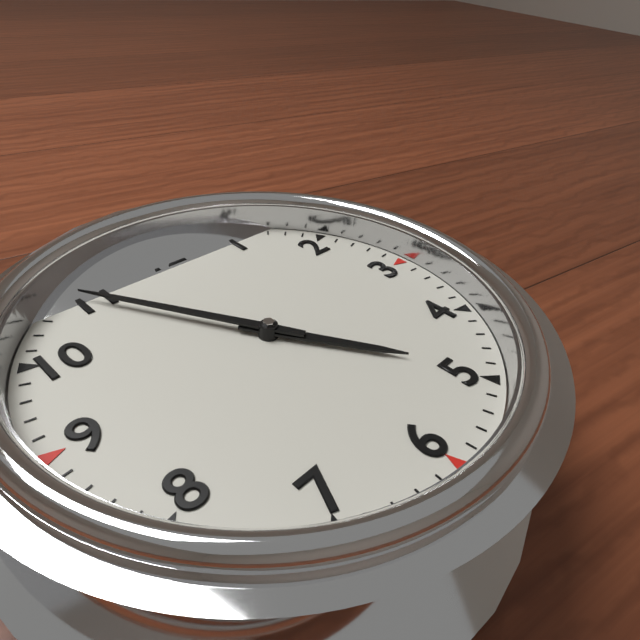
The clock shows 4:55
